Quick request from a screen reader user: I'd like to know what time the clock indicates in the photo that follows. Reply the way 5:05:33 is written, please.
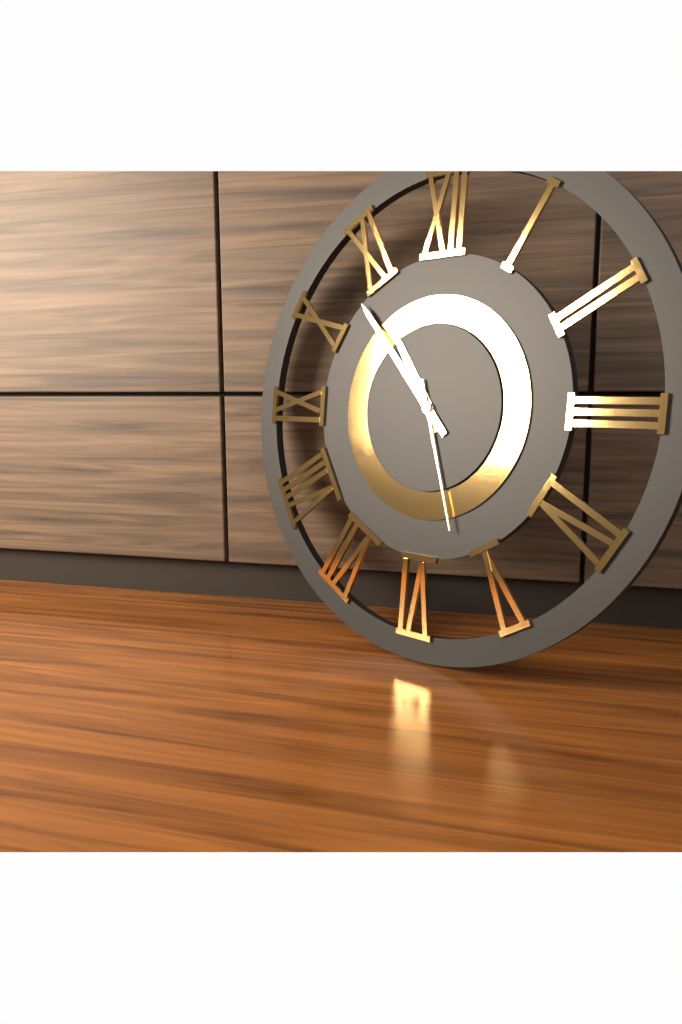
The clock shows 10:53:27
